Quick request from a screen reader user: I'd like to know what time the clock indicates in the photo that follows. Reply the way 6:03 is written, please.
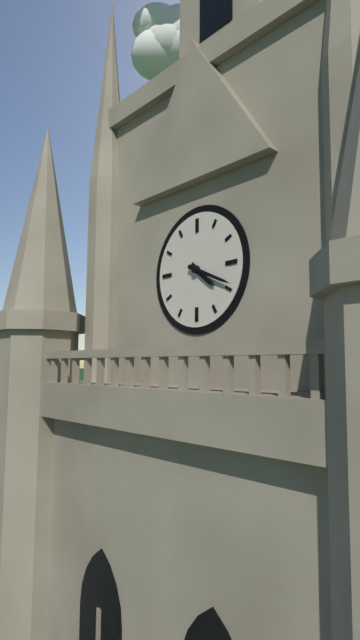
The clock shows 4:19
